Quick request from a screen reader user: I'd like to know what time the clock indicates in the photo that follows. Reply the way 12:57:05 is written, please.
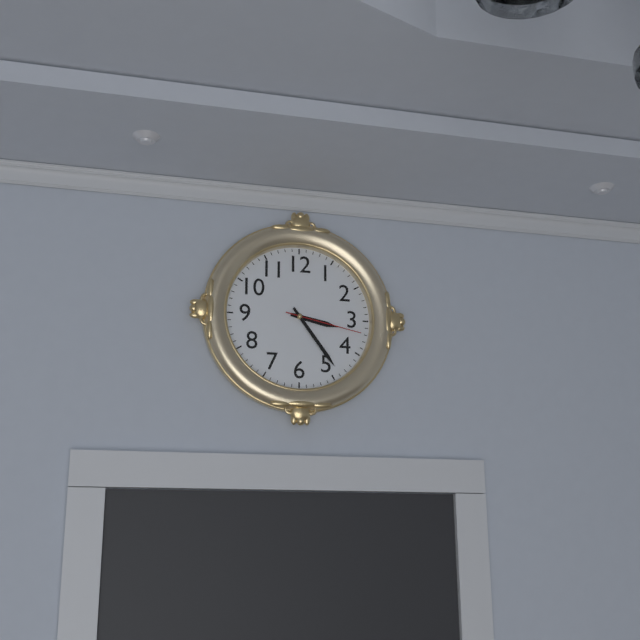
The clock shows 3:24:17
